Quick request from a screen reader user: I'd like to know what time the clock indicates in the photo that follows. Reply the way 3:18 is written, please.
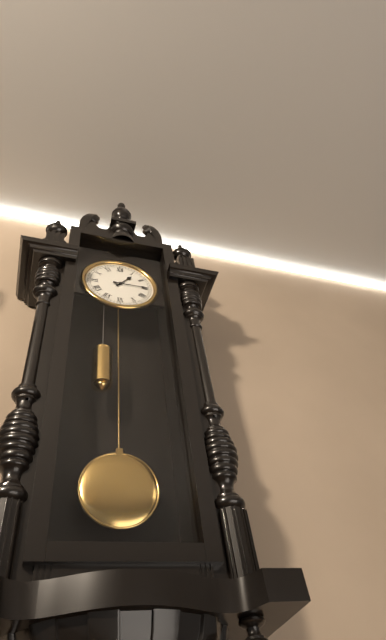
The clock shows 1:15
